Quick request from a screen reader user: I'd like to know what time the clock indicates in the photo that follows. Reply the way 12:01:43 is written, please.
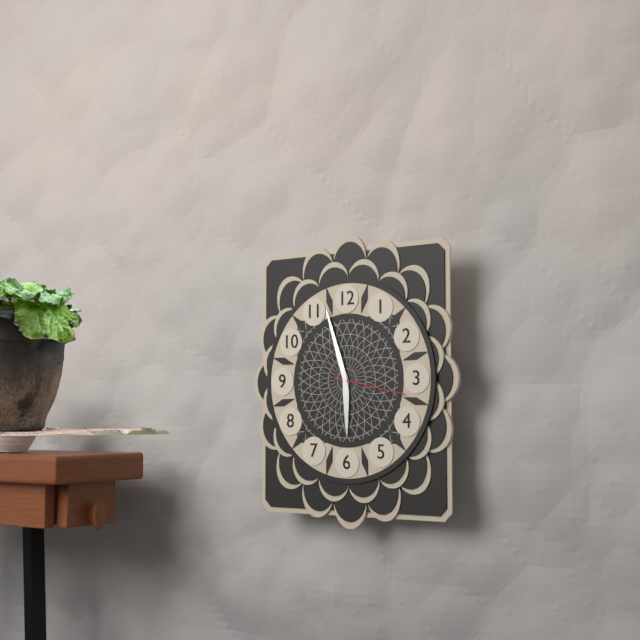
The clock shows 5:57:17
